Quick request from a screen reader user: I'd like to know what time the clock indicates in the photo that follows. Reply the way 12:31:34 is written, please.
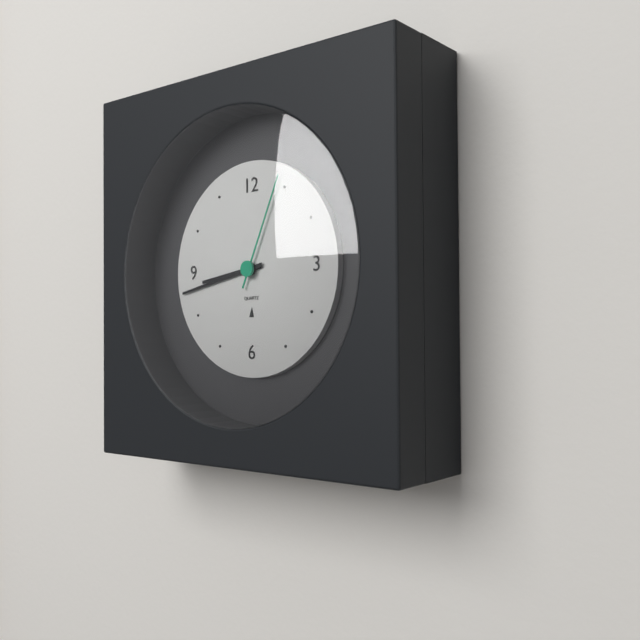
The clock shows 8:43:04
